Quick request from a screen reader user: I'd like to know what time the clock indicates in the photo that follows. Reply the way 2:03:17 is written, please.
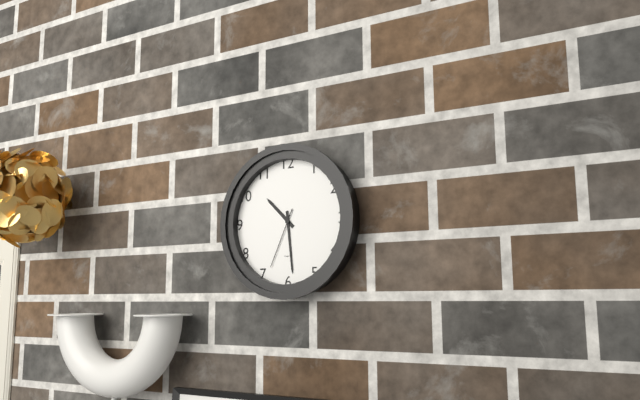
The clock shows 10:29:34
